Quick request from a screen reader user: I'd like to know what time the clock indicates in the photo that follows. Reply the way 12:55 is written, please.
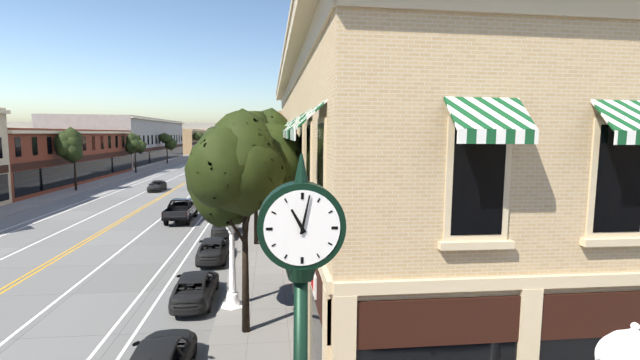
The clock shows 11:02
